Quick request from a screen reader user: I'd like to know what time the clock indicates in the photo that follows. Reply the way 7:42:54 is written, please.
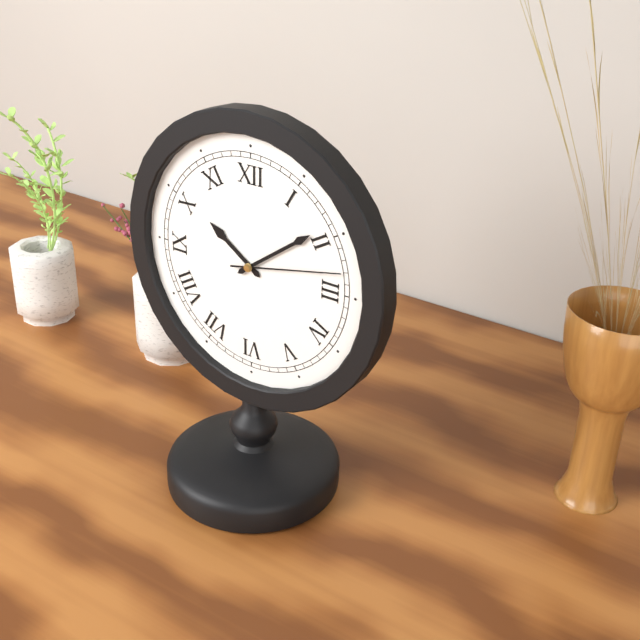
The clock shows 10:09:13
